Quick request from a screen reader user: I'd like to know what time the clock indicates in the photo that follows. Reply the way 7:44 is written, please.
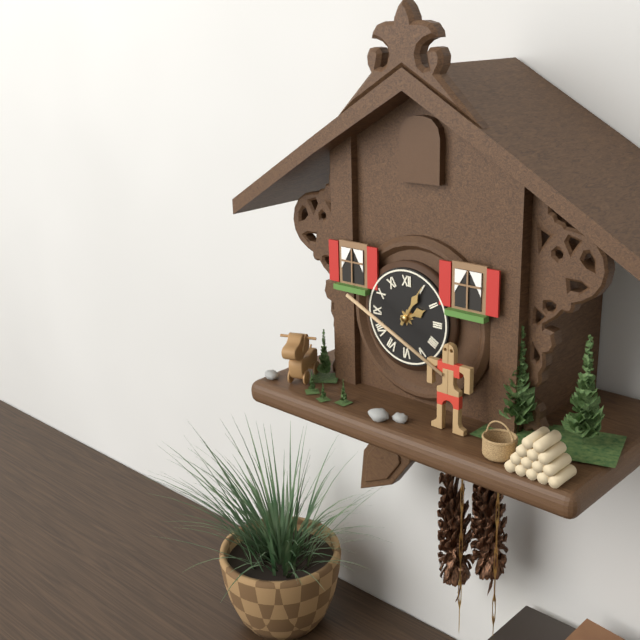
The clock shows 2:05
